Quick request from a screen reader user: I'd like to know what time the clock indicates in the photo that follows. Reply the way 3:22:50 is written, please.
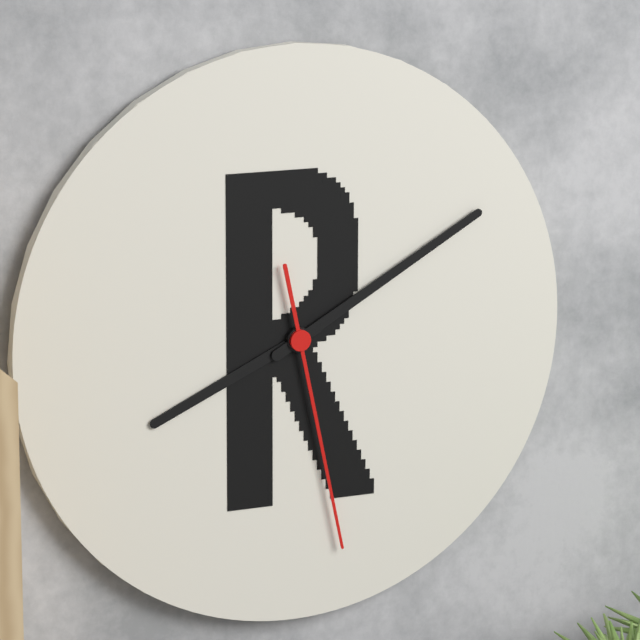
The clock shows 8:10:28
